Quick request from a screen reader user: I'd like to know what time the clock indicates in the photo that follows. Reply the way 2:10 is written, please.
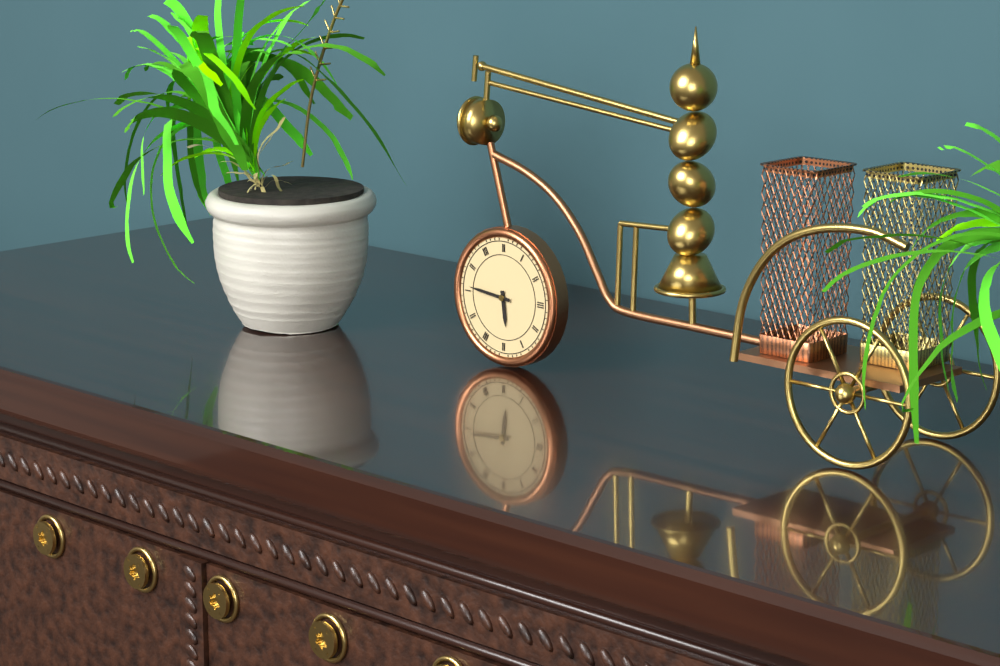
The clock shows 5:46
